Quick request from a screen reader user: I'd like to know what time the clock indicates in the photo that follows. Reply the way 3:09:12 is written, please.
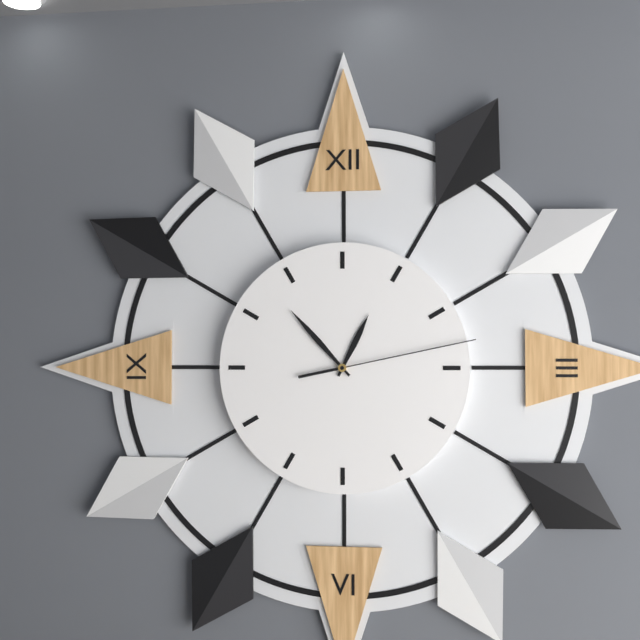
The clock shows 12:53:13
